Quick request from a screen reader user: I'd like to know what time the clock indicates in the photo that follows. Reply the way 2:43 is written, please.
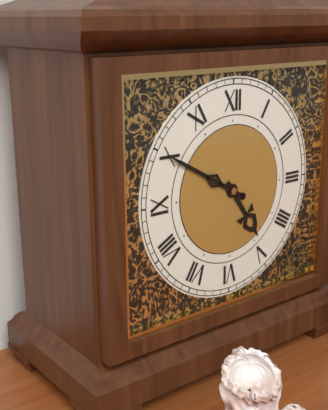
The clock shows 4:50
